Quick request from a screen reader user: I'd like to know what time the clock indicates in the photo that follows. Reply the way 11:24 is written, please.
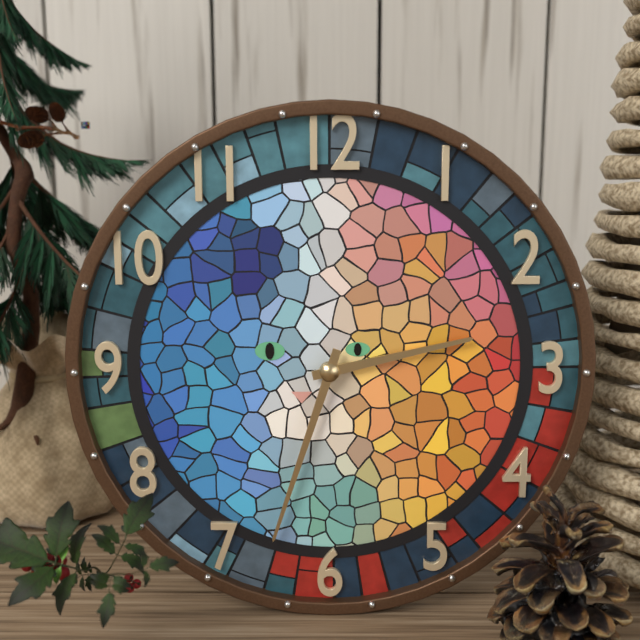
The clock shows 2:33
